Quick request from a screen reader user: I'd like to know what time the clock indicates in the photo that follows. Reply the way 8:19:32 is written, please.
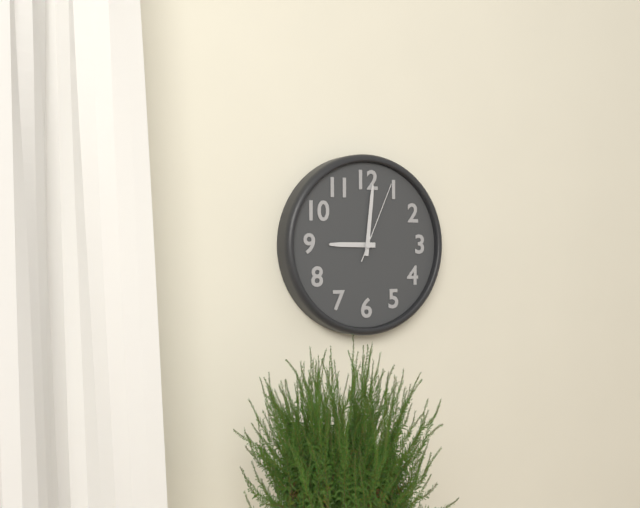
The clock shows 9:01:04
